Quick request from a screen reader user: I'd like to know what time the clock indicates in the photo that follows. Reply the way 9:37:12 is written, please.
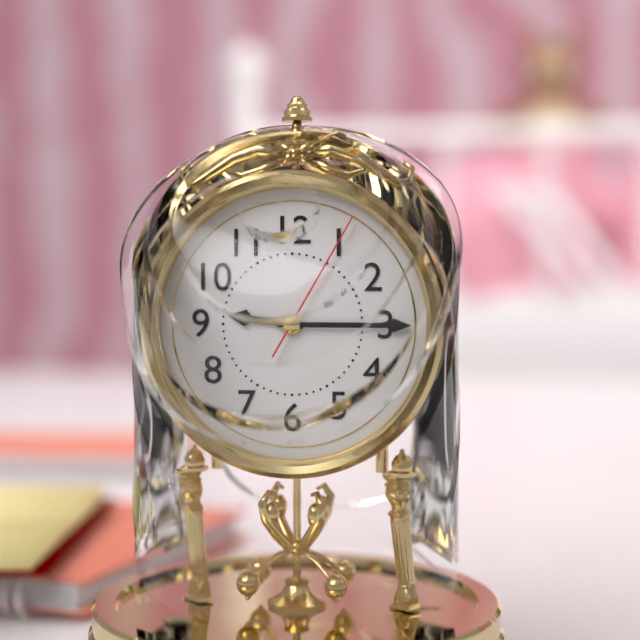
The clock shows 9:15:05
